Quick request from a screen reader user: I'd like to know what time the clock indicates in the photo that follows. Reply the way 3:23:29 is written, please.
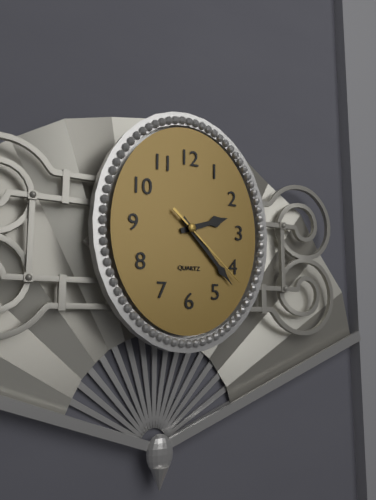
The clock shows 2:23:22
